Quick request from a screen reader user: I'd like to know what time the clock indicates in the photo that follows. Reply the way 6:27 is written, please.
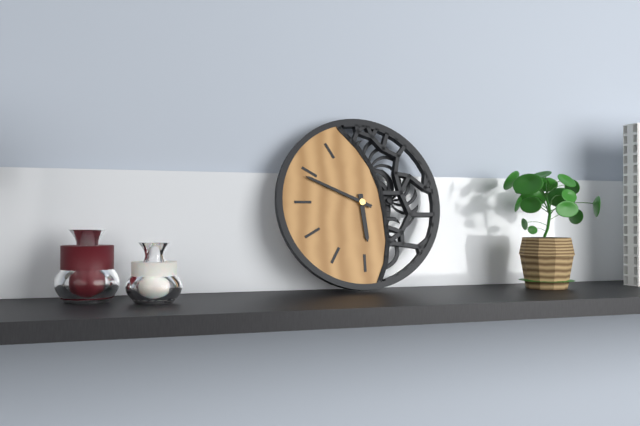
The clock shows 5:49
